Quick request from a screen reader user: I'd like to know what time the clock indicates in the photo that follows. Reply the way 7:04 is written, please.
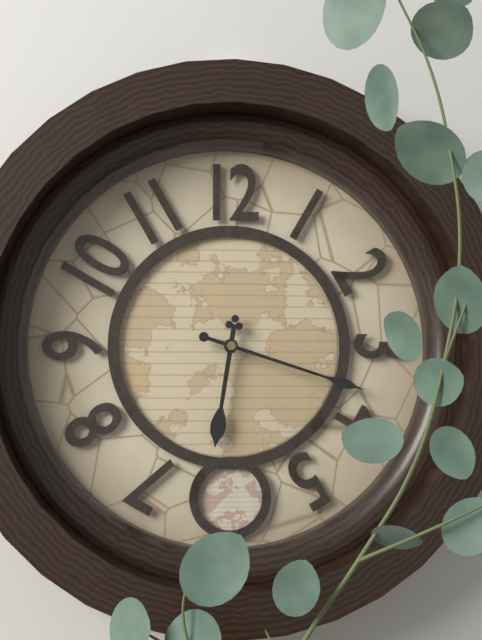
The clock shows 6:18
